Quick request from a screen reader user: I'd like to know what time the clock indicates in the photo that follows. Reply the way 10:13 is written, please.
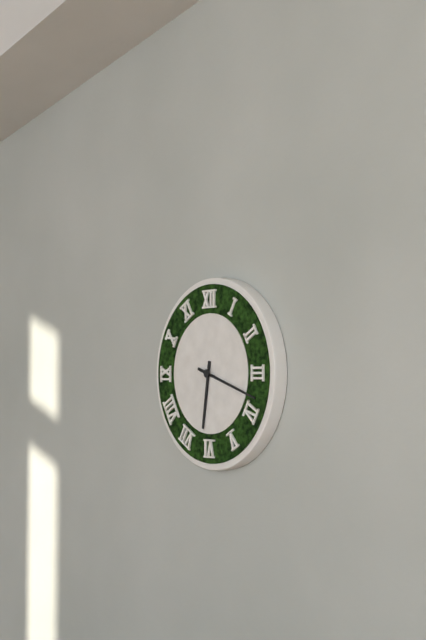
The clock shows 6:18
